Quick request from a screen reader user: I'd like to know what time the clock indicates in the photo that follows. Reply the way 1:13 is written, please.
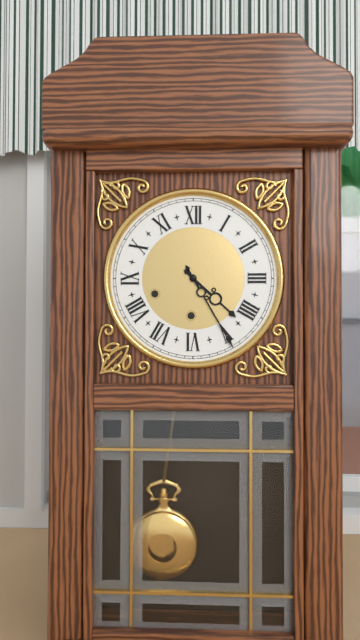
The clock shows 4:25
